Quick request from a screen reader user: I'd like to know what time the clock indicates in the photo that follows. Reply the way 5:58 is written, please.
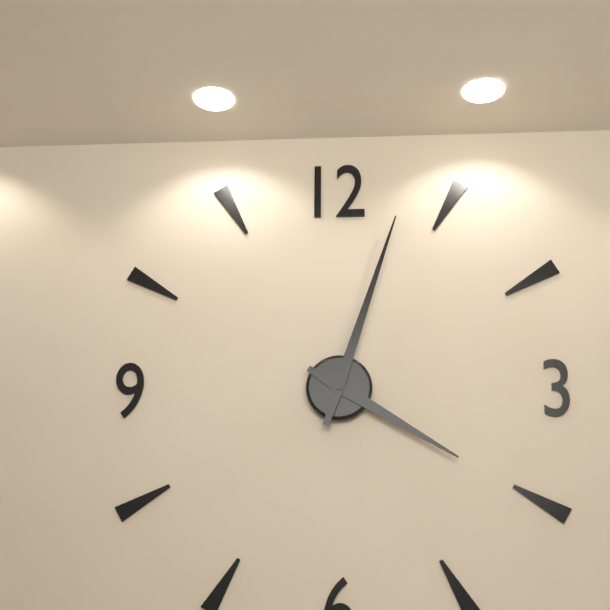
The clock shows 4:03
